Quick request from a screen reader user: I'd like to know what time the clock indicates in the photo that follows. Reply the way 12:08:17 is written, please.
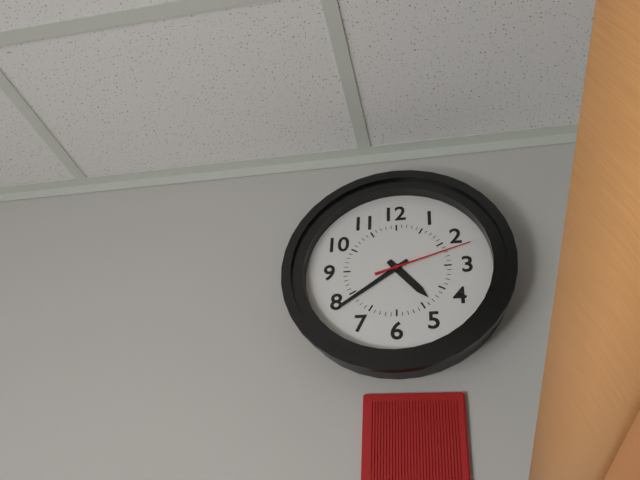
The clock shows 4:39:12
